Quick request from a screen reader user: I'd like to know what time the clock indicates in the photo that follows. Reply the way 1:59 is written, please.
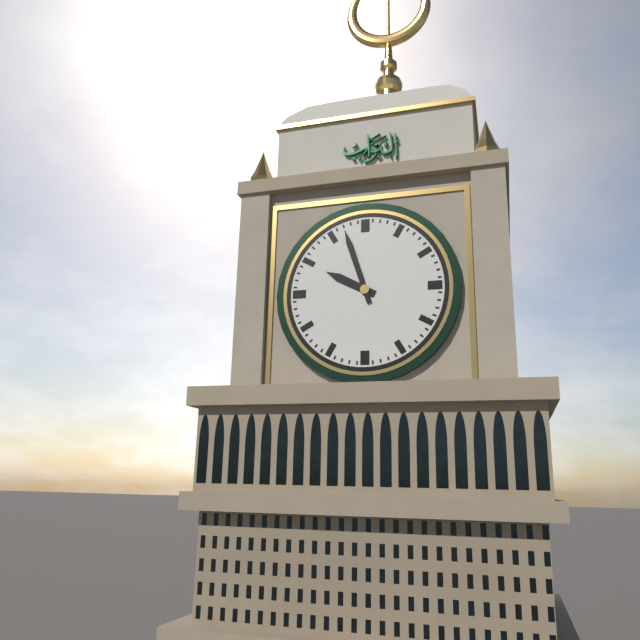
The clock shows 9:57
